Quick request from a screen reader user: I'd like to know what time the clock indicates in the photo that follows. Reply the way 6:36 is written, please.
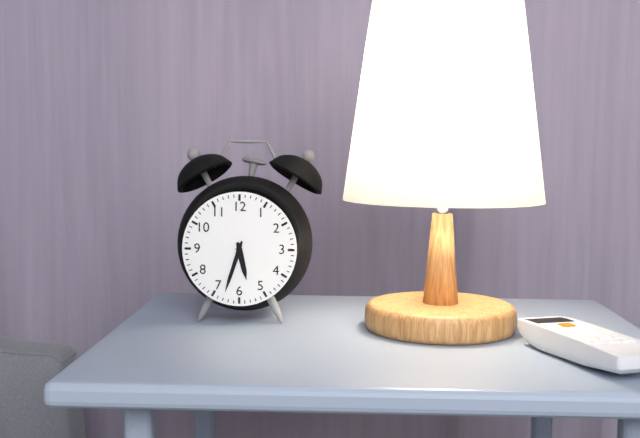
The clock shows 5:33
